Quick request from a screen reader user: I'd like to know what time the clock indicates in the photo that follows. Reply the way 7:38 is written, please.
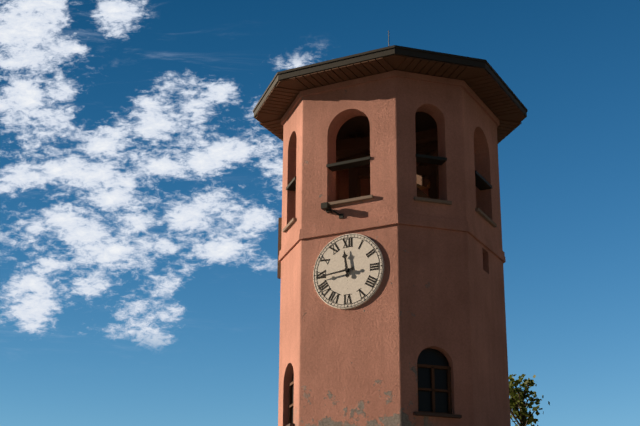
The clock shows 11:44
